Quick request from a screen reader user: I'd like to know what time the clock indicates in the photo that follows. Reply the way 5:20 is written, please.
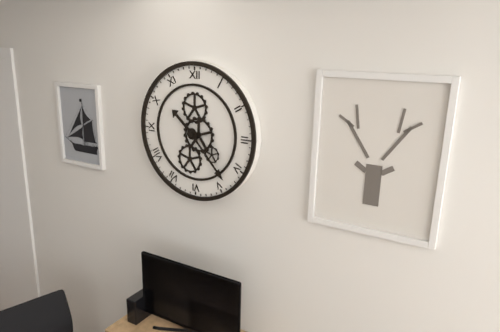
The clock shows 10:23
